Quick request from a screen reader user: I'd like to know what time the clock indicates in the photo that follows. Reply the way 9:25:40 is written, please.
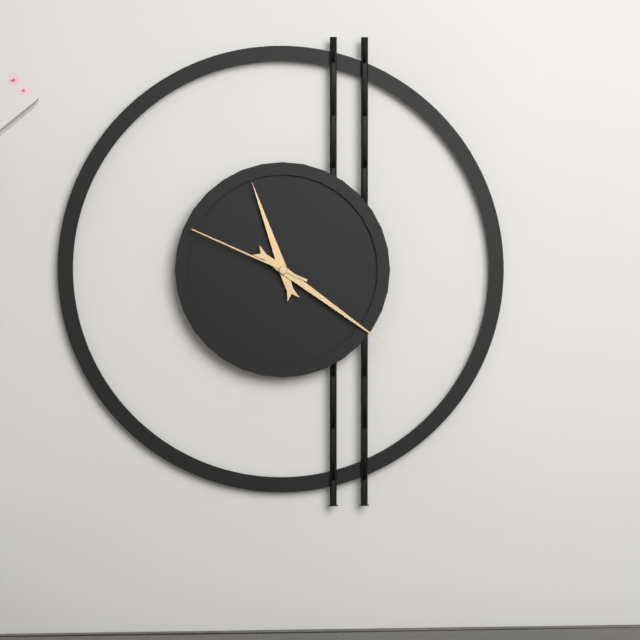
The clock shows 11:21:49
